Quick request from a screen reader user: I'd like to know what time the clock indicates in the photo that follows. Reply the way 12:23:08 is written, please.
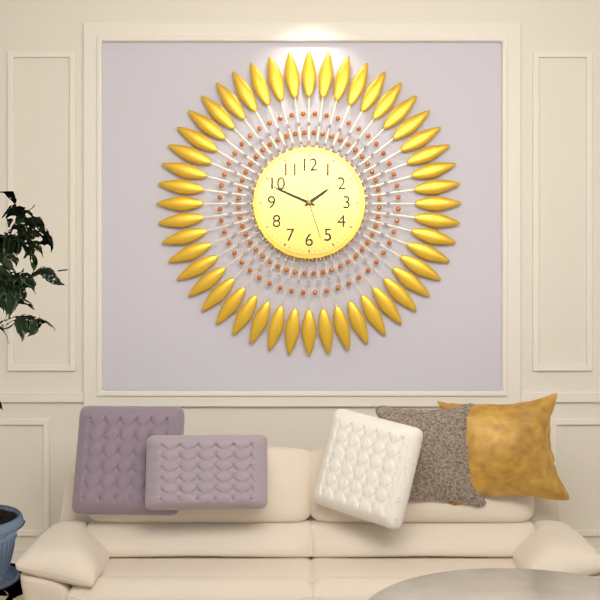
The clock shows 1:49:27
